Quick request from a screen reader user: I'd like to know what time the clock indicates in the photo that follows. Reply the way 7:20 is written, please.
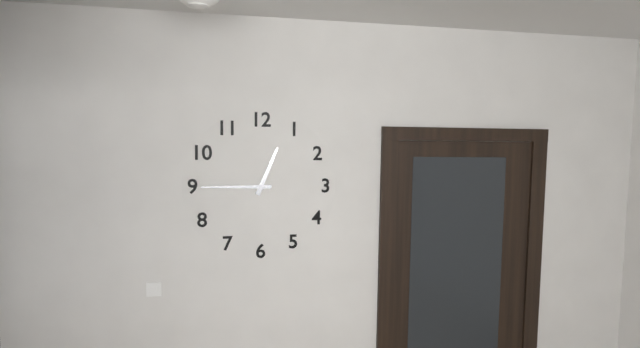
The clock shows 12:45
